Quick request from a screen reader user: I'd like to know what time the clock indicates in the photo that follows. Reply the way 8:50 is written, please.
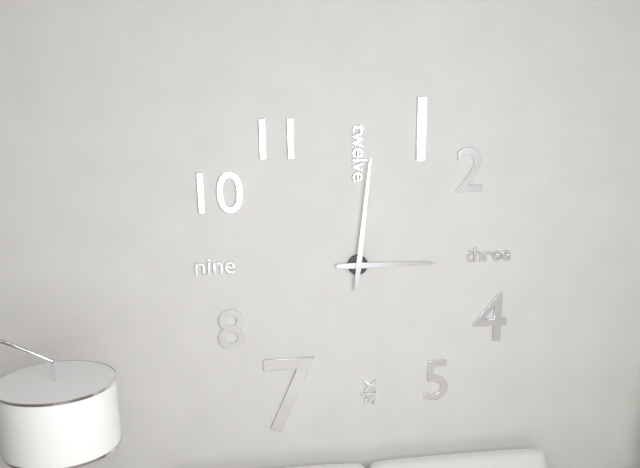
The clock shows 3:01
